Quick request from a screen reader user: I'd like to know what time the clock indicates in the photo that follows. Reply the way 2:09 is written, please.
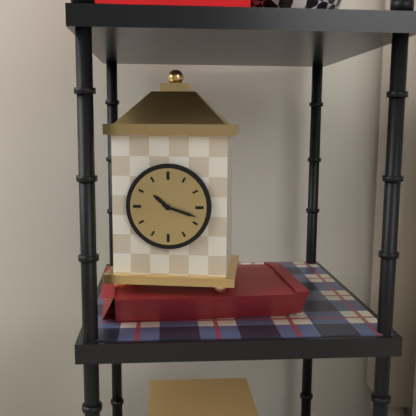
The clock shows 10:18
